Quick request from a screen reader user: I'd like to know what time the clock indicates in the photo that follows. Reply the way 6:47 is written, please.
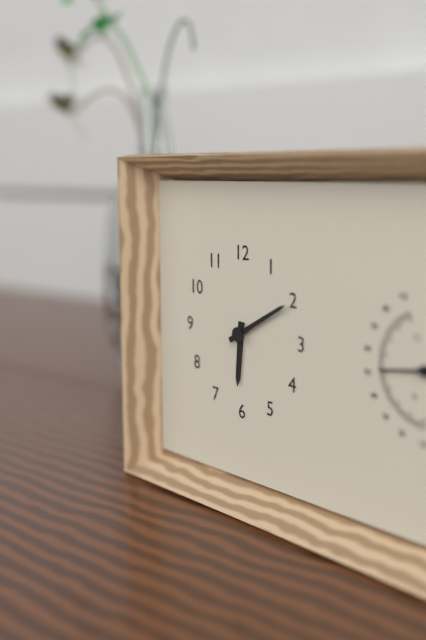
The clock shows 6:10
